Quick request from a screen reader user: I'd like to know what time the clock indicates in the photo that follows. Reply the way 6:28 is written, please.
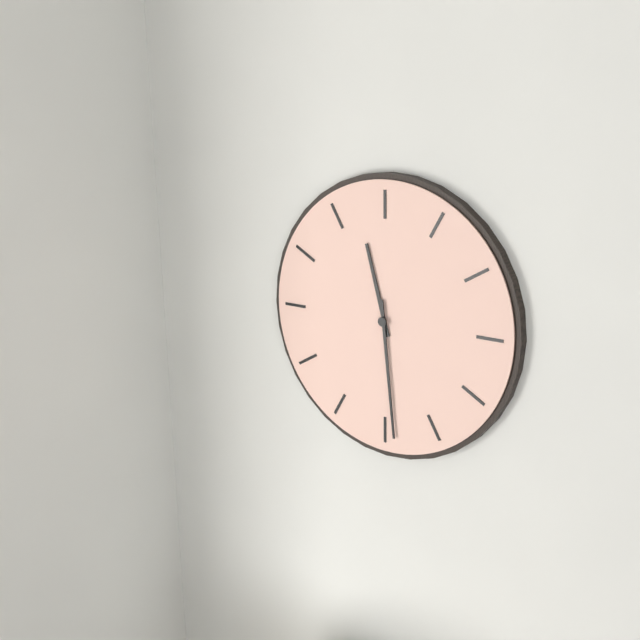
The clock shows 11:29
